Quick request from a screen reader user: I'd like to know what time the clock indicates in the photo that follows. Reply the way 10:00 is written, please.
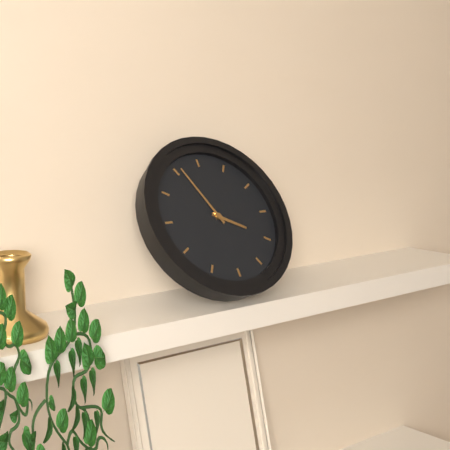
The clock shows 3:56
